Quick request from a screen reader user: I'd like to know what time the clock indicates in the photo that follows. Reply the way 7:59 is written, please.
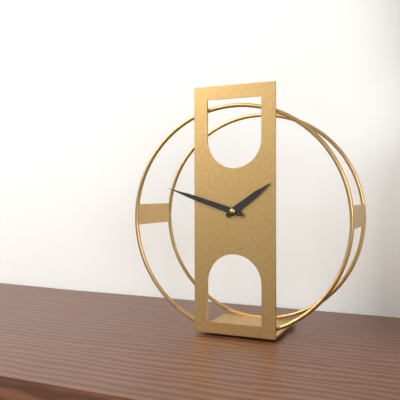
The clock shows 1:48
